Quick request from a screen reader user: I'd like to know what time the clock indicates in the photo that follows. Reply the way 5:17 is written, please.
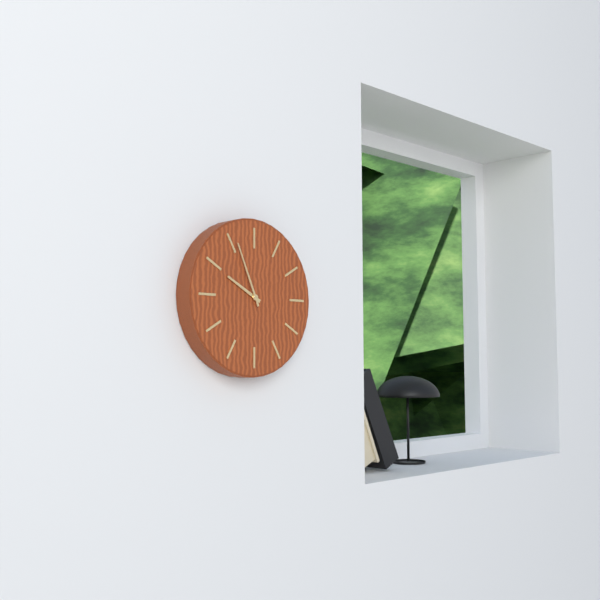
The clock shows 9:56
